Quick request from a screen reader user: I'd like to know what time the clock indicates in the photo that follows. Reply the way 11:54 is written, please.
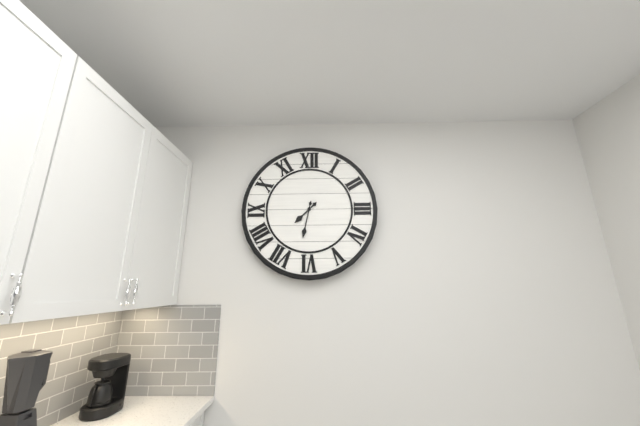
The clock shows 7:32
